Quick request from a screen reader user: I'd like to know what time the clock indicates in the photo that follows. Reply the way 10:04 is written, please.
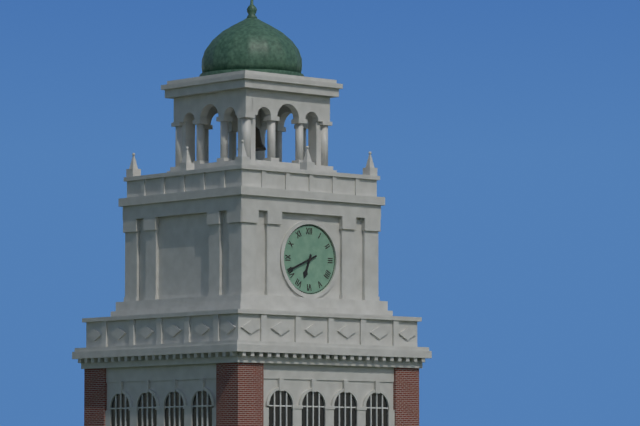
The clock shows 6:41
